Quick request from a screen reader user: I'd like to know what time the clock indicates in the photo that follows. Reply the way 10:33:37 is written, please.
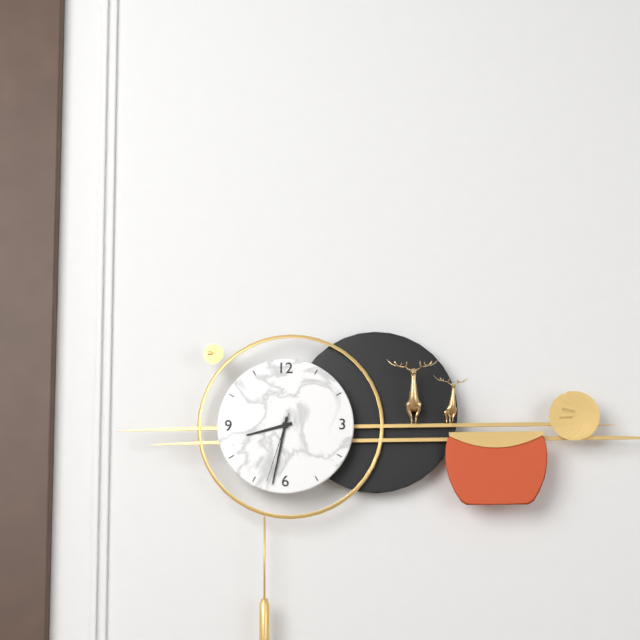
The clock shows 8:32:33
